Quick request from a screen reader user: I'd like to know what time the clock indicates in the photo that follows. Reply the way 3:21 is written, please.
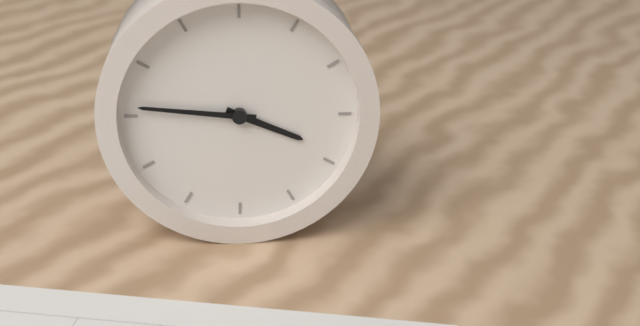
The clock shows 3:46
